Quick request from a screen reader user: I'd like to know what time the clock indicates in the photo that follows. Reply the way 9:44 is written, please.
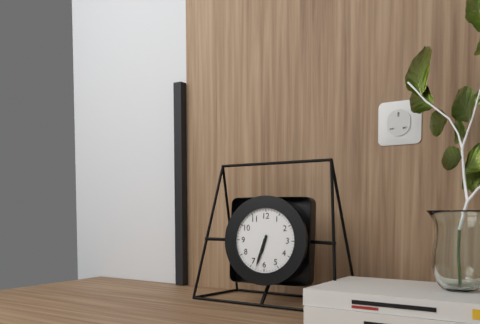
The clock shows 6:33
